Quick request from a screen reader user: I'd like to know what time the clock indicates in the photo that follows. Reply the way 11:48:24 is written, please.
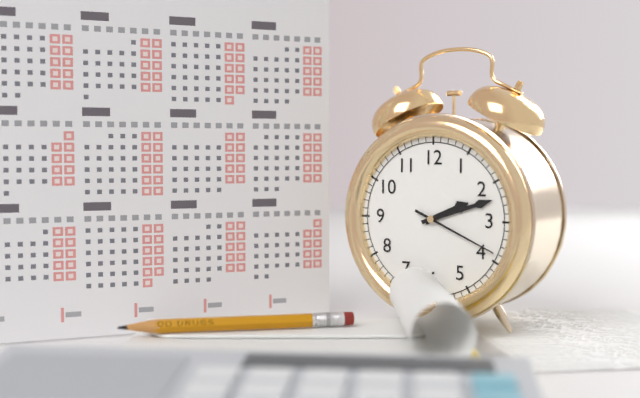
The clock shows 2:12:19
